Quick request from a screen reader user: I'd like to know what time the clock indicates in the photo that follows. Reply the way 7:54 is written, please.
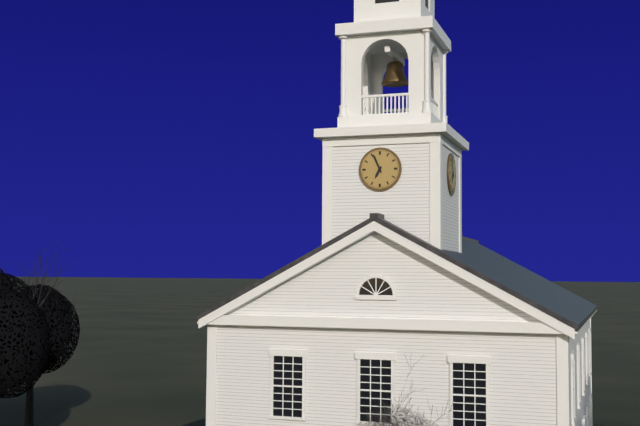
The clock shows 6:56
